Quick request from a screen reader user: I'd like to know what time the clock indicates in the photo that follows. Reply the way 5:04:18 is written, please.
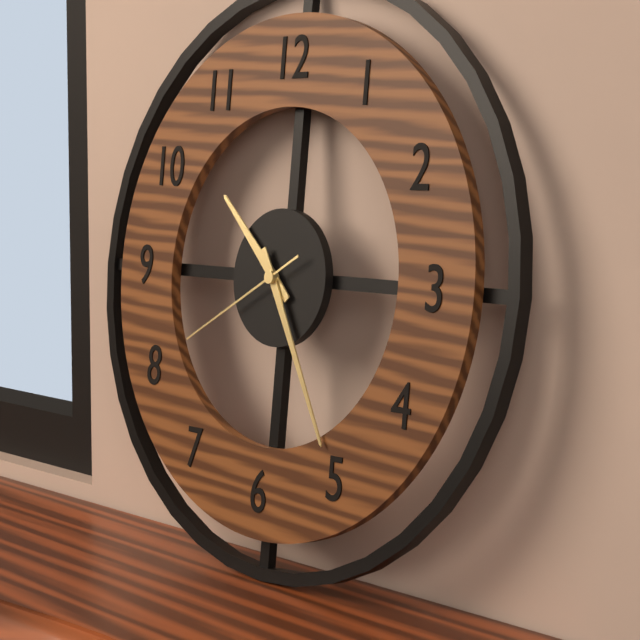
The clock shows 10:25:40
